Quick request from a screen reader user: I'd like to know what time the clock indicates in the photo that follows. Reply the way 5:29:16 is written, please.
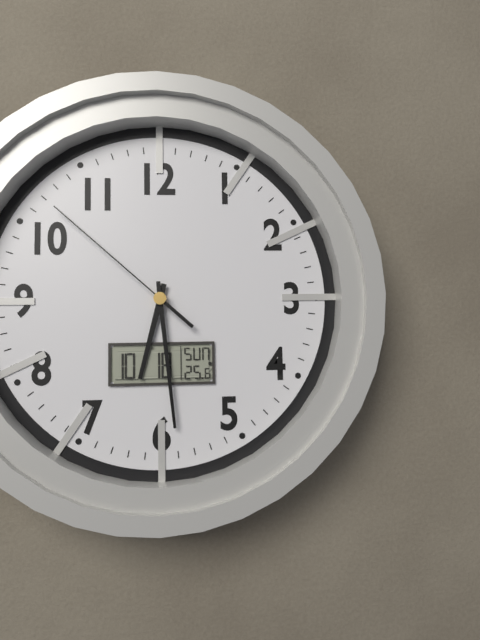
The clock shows 6:29:52
